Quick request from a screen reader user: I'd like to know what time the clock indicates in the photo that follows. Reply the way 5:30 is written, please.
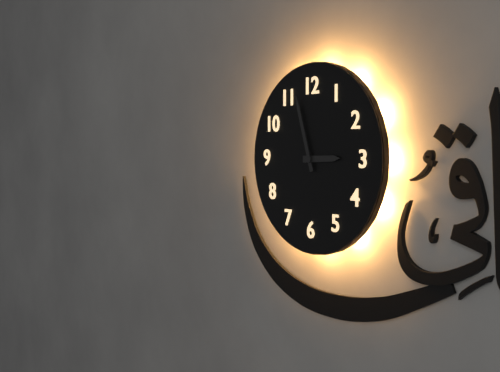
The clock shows 2:57
